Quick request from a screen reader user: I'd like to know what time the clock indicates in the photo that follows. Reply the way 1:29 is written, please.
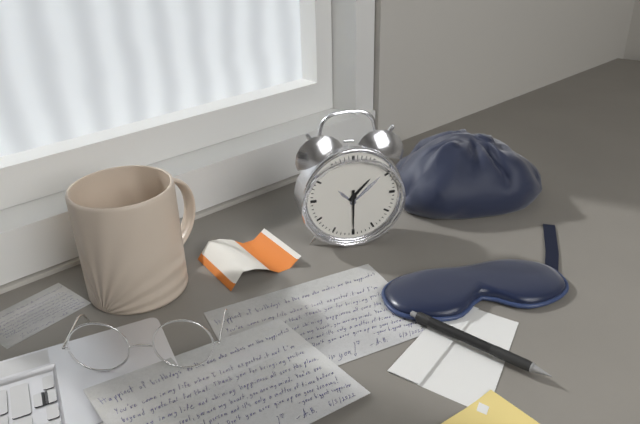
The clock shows 1:30
